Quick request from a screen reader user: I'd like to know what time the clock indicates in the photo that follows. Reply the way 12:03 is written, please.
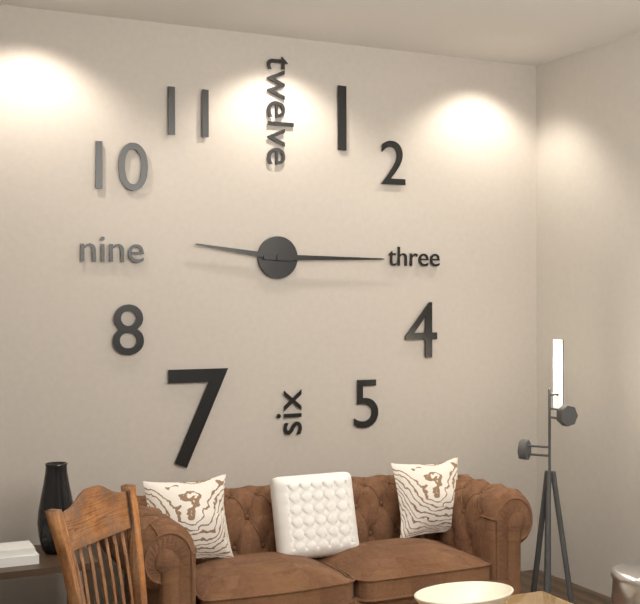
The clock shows 9:15
